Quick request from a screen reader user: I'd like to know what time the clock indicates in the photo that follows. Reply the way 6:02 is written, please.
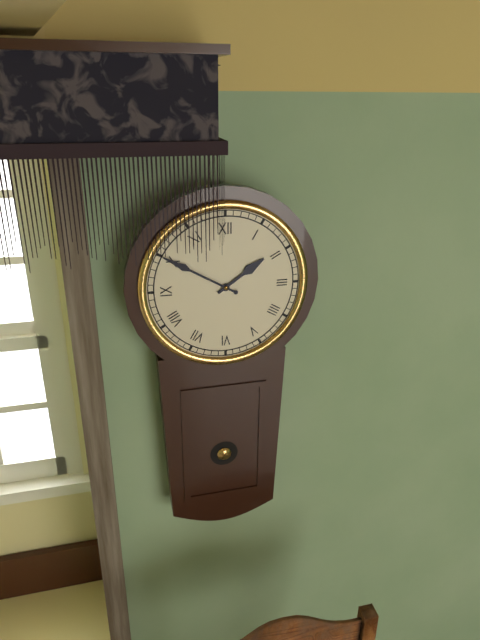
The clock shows 1:50
